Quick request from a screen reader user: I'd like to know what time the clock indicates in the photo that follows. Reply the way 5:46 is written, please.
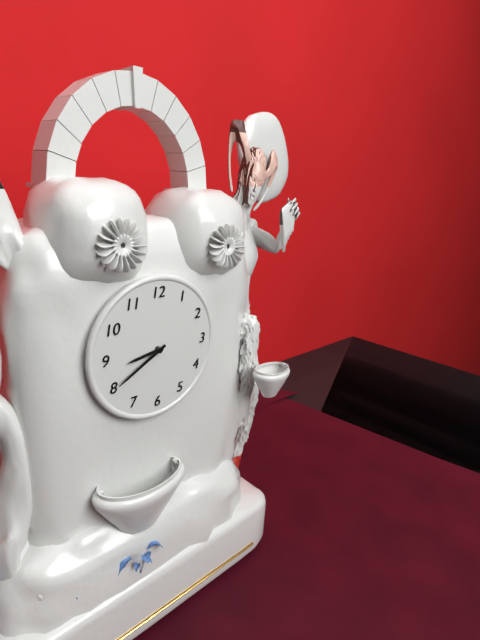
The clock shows 8:40
